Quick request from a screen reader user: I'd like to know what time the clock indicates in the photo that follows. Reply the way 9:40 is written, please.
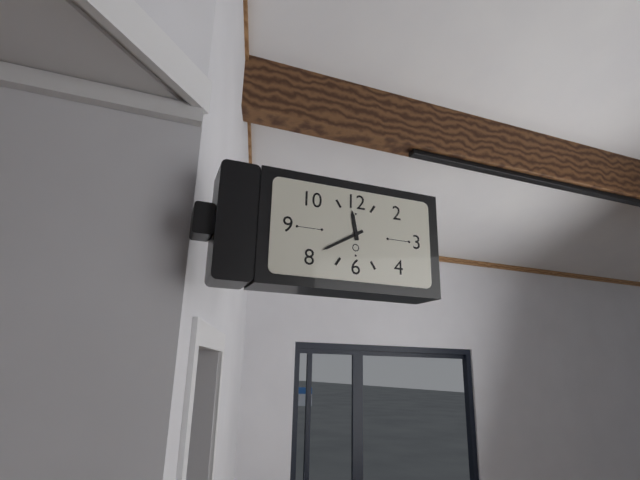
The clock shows 11:40
